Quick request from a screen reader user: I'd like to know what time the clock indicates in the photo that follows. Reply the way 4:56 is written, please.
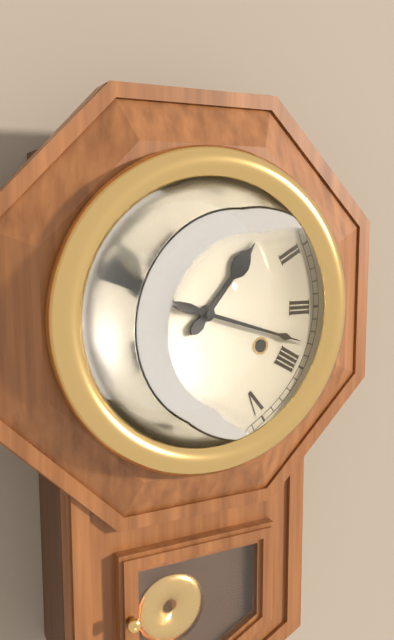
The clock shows 1:18
